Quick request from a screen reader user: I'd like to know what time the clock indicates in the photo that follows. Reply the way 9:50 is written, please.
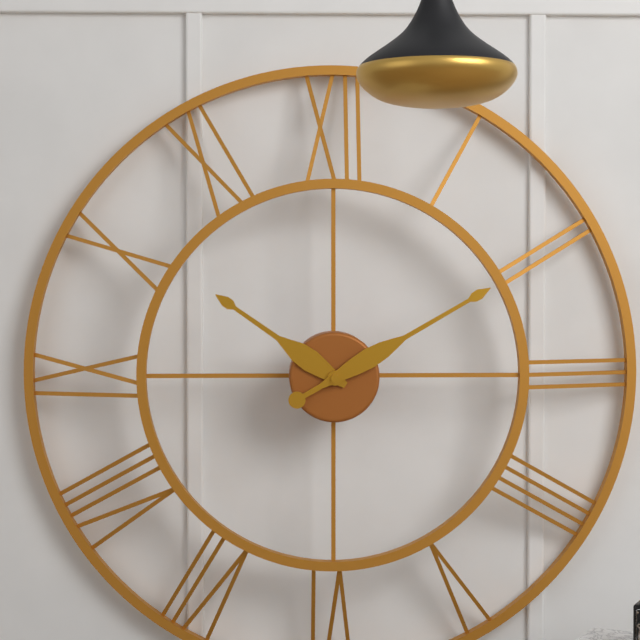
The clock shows 10:10
